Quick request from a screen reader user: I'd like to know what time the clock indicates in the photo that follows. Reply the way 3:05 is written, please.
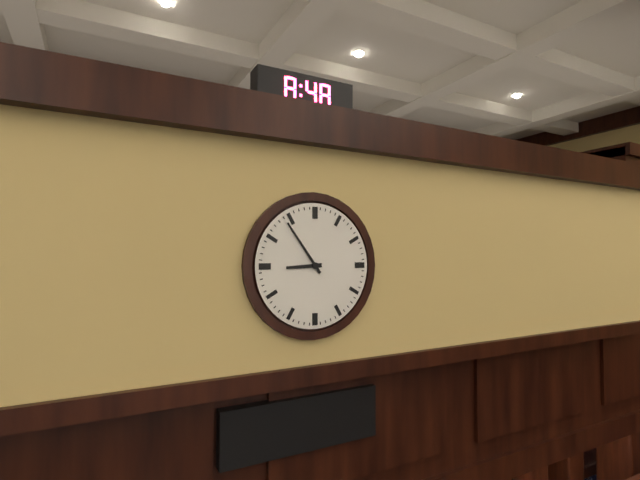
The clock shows 8:54
